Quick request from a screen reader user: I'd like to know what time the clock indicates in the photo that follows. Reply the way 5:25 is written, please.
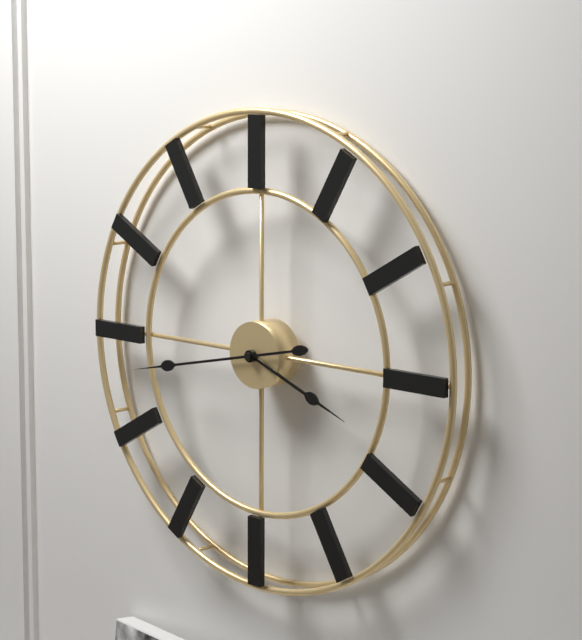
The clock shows 3:43
